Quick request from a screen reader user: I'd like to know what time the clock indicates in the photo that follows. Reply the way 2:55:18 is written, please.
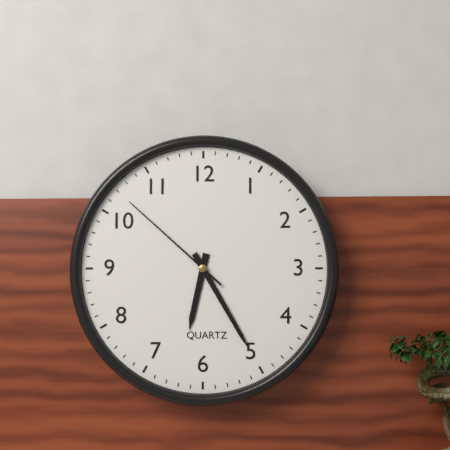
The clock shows 6:25:52
